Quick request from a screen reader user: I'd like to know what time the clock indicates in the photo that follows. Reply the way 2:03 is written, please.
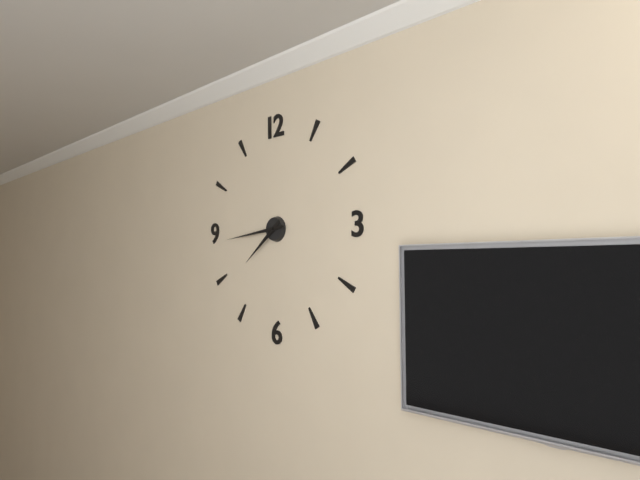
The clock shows 7:44
